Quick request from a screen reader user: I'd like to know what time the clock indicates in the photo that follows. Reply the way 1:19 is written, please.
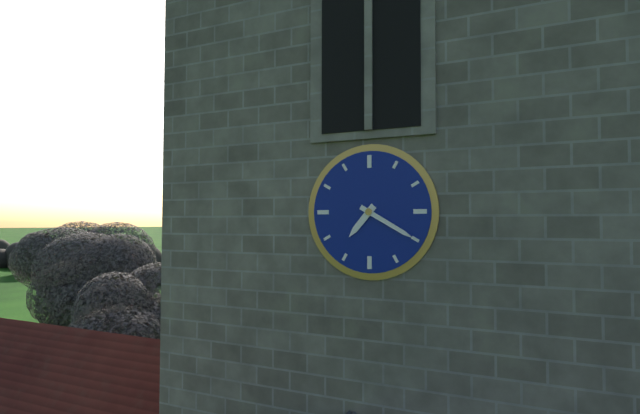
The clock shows 7:20
